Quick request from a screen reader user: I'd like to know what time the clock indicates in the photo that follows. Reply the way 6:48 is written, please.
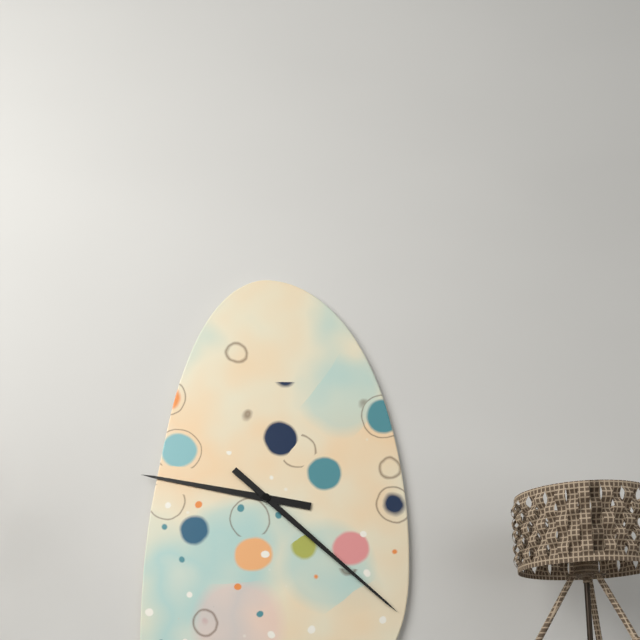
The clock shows 9:22
